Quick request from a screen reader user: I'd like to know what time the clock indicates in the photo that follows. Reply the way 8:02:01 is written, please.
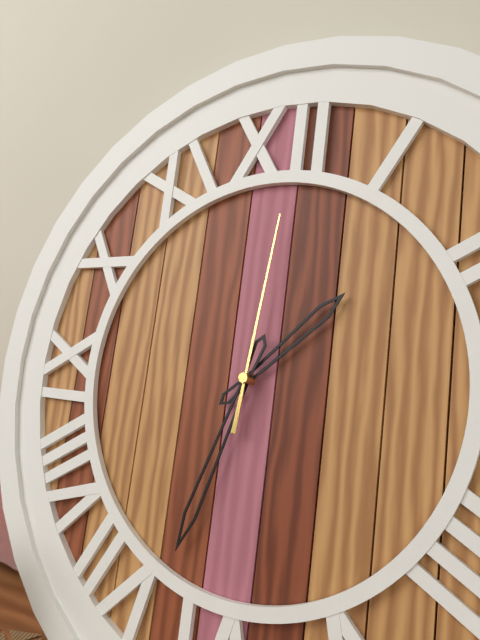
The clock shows 1:33:01
